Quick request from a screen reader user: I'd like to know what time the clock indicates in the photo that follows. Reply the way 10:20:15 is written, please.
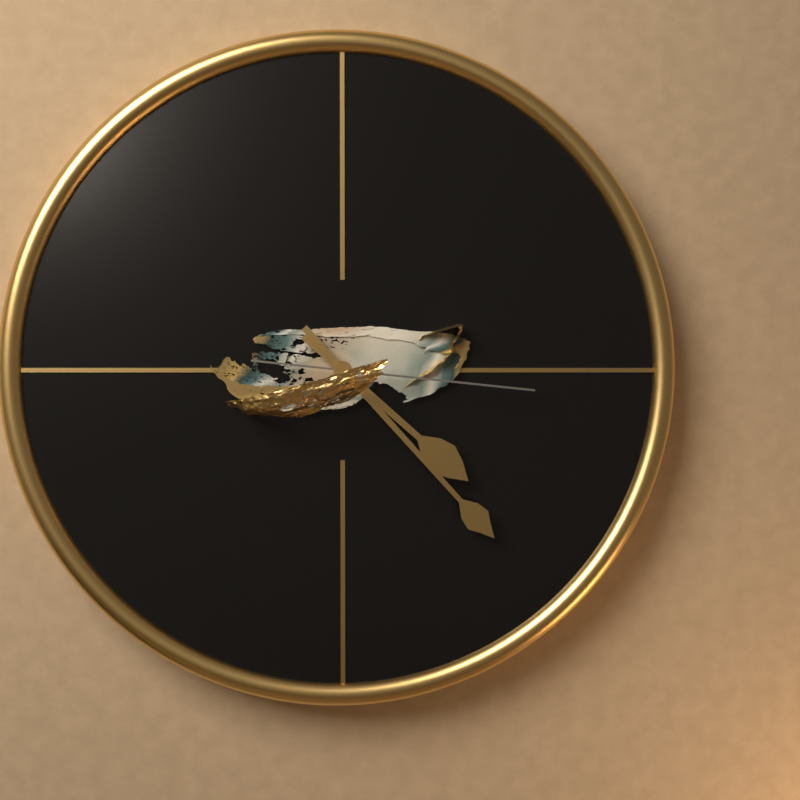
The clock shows 4:23:16
